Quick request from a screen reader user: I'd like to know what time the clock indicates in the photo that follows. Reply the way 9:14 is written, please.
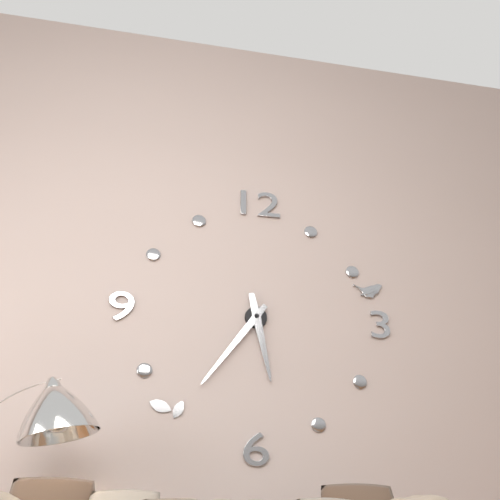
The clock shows 5:36
